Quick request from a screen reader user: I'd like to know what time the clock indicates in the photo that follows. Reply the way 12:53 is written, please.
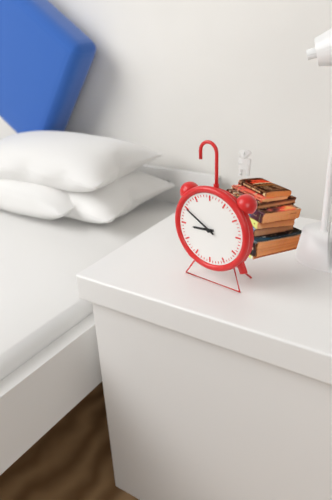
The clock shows 8:50
